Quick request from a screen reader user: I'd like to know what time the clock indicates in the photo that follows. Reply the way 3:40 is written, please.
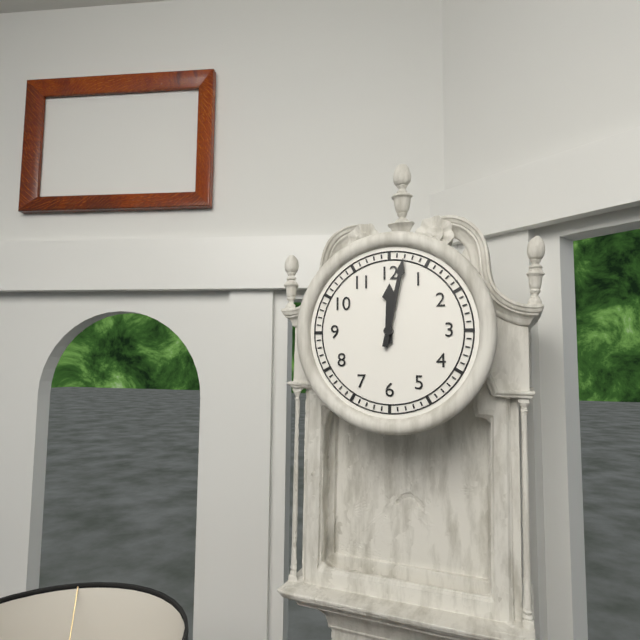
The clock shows 12:02
